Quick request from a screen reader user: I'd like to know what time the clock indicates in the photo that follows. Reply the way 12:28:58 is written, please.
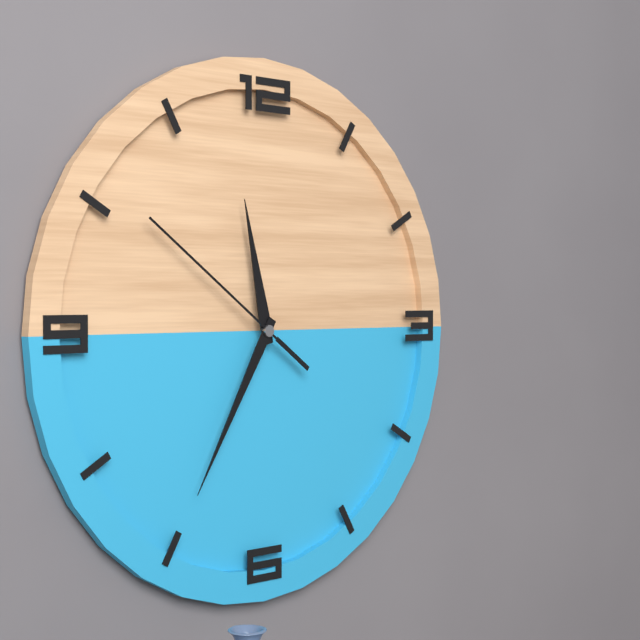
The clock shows 11:35:51
